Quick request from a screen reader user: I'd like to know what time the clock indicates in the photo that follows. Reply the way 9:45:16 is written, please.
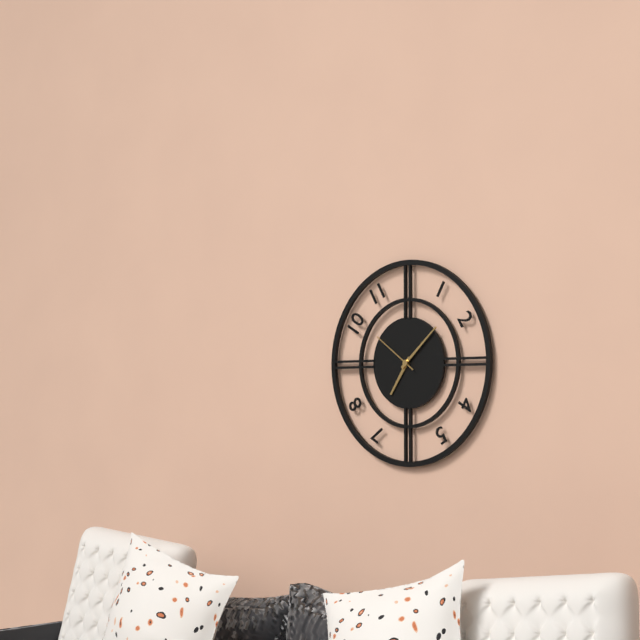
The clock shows 7:08:51
